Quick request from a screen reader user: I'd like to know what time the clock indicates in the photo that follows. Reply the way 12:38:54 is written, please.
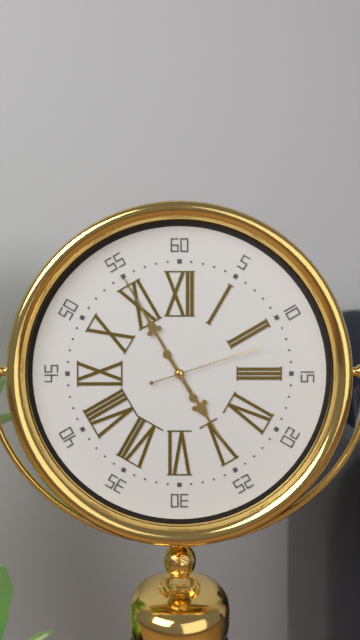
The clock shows 4:55:12
